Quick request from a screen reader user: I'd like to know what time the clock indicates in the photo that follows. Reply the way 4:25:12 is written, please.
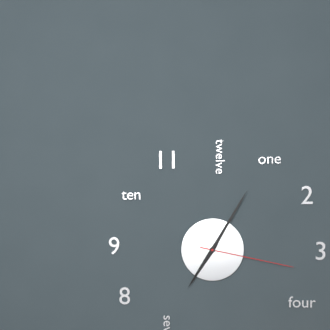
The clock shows 7:05:17
